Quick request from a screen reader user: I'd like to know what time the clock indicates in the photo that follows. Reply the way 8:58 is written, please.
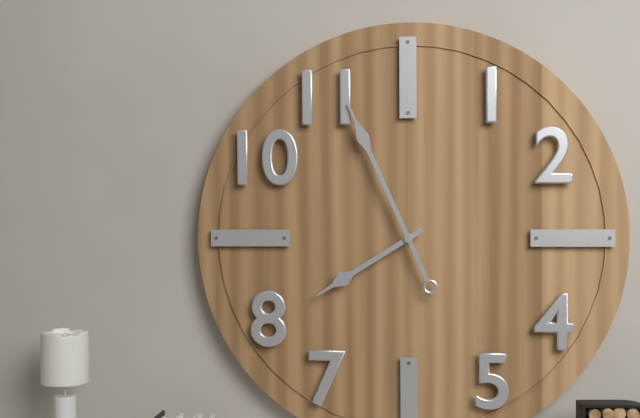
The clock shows 7:56
